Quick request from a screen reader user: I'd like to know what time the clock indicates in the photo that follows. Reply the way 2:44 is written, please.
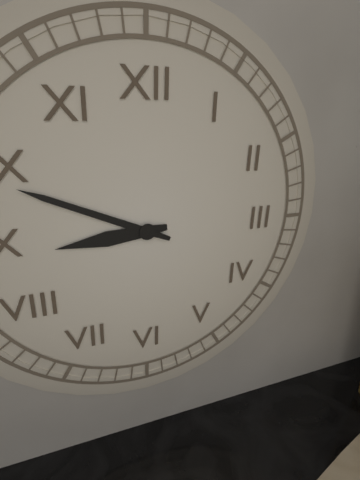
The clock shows 8:49
